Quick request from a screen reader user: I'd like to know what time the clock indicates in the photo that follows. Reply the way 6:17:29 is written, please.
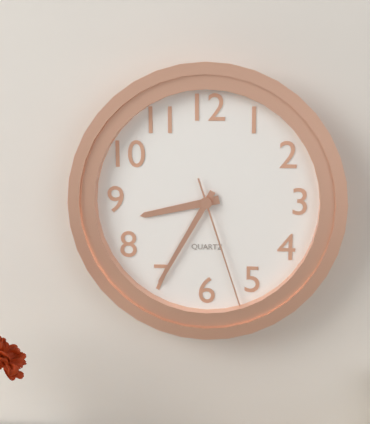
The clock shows 8:35:27
